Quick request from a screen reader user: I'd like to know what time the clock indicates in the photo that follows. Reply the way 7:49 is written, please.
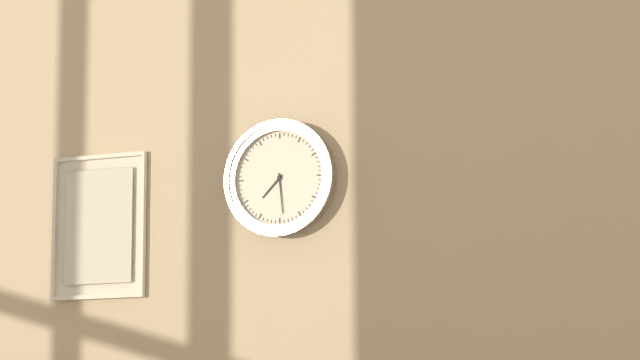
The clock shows 7:29
